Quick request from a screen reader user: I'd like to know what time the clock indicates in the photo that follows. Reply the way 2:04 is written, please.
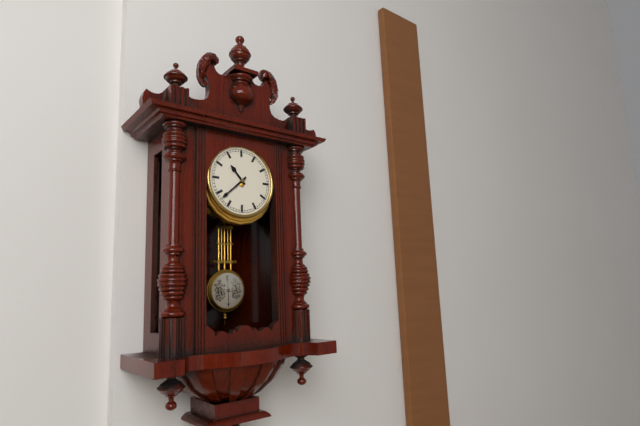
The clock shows 10:38
